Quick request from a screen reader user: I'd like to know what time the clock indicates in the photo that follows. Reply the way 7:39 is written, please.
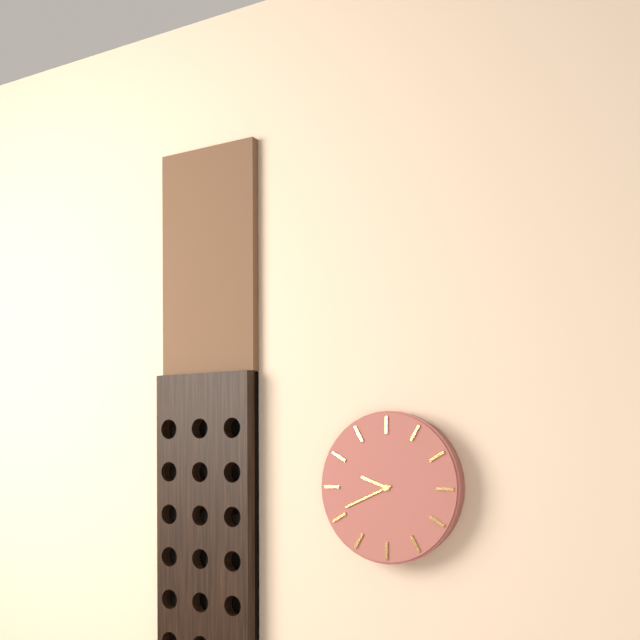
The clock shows 9:41
